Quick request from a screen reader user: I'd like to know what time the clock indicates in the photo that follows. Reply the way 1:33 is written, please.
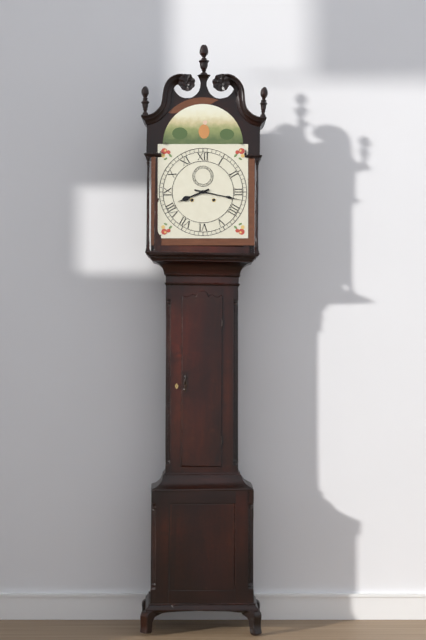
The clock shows 8:17
